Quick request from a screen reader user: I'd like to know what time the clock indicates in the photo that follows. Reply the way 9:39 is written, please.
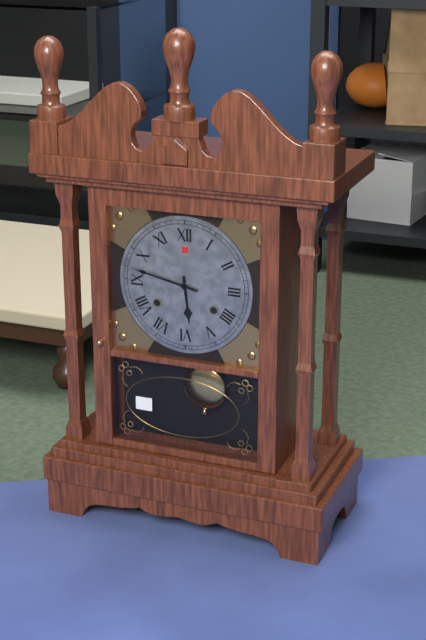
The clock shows 5:47
